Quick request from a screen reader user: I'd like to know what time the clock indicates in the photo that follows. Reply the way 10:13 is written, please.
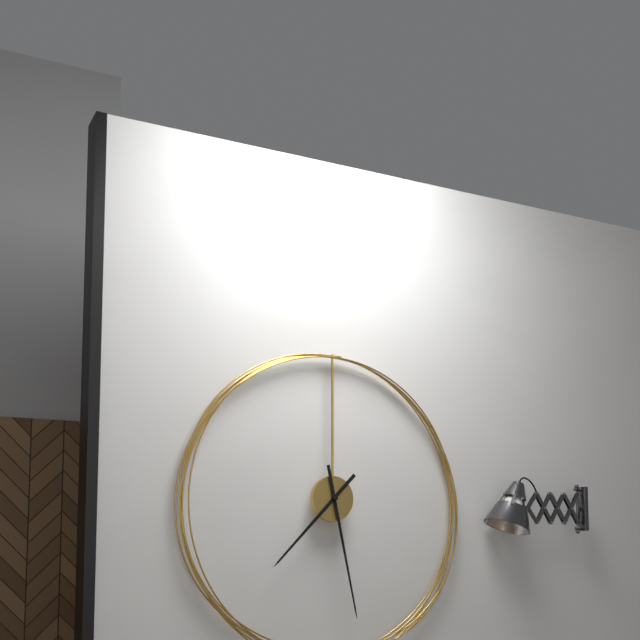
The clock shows 7:28
